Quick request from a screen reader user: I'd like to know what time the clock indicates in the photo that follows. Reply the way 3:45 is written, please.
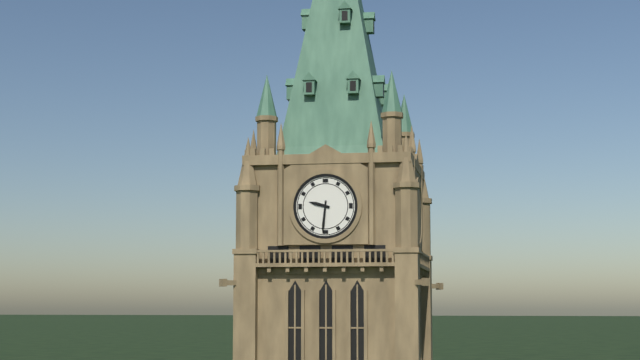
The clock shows 9:31
